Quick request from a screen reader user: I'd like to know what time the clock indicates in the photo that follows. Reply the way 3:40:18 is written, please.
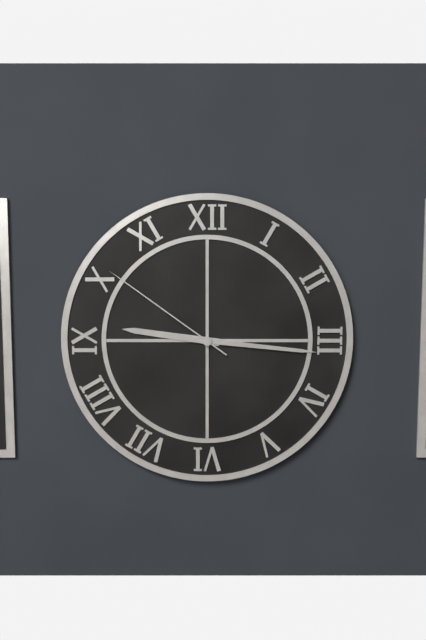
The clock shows 9:16:51
